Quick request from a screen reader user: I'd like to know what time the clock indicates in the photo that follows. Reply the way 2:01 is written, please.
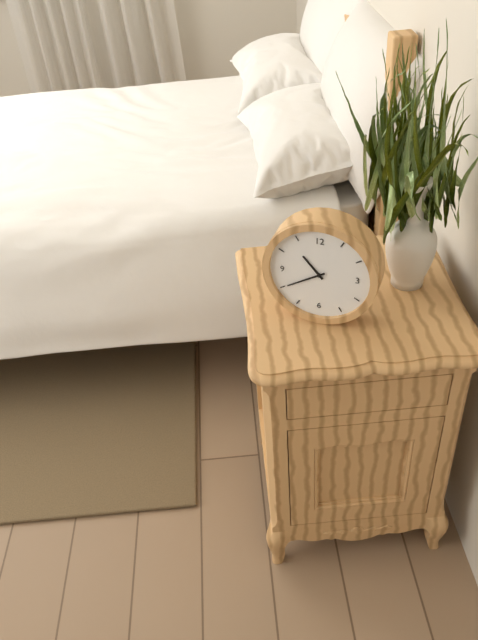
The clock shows 10:40
